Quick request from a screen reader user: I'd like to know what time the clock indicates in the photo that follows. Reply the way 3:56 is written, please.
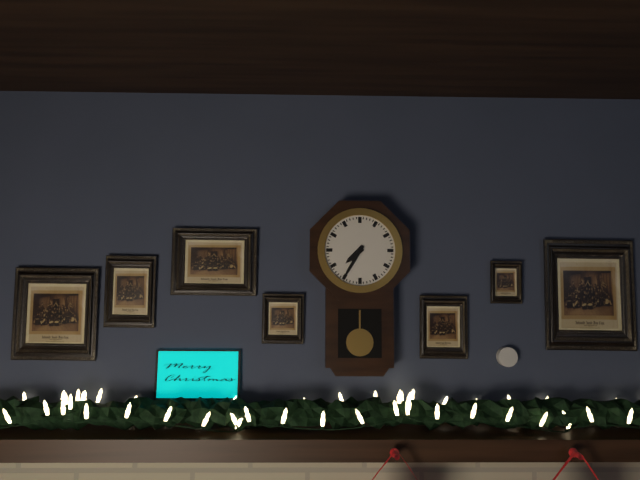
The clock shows 7:35
